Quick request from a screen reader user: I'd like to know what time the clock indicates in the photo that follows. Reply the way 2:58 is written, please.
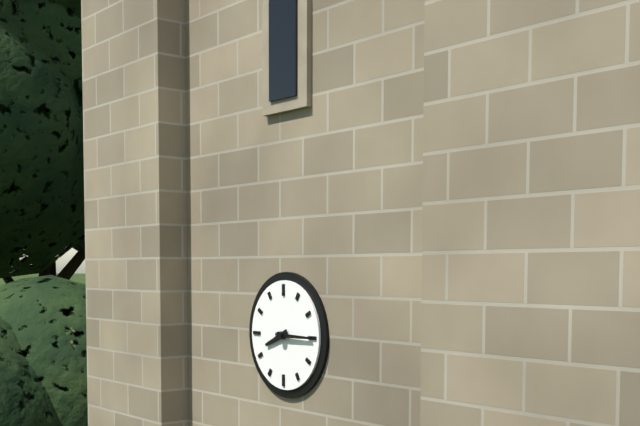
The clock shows 8:15
